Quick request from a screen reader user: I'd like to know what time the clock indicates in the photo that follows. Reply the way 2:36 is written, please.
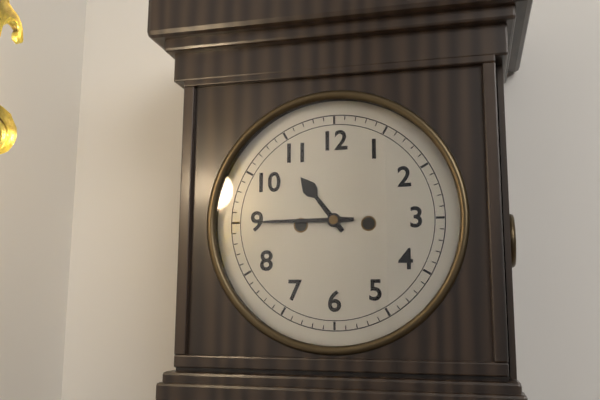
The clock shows 10:45
